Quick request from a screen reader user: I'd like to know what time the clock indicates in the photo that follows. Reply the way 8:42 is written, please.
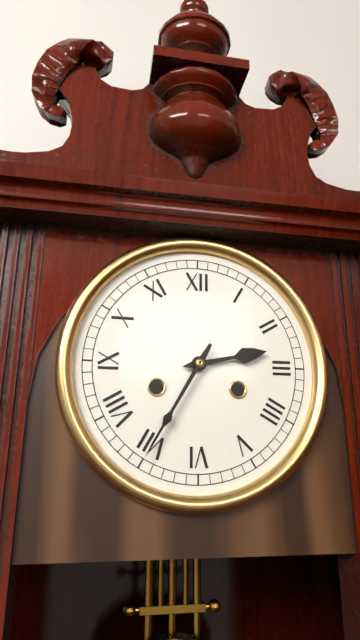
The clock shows 2:35
